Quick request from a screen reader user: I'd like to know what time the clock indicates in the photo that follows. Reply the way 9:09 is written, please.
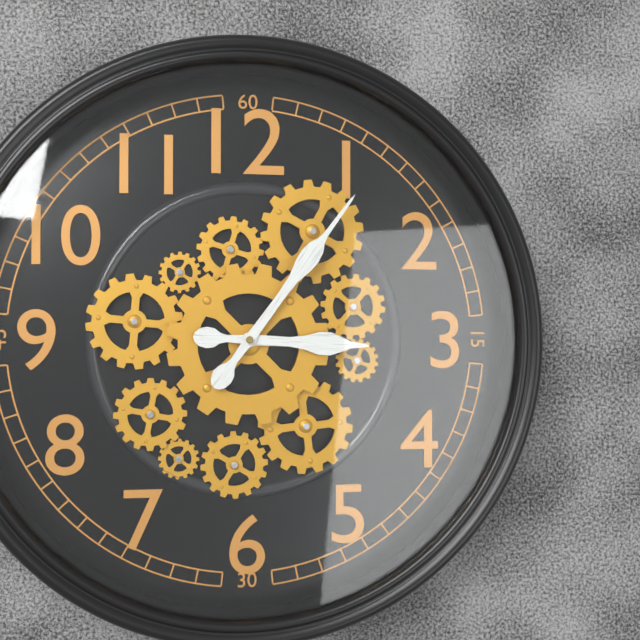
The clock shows 3:06
